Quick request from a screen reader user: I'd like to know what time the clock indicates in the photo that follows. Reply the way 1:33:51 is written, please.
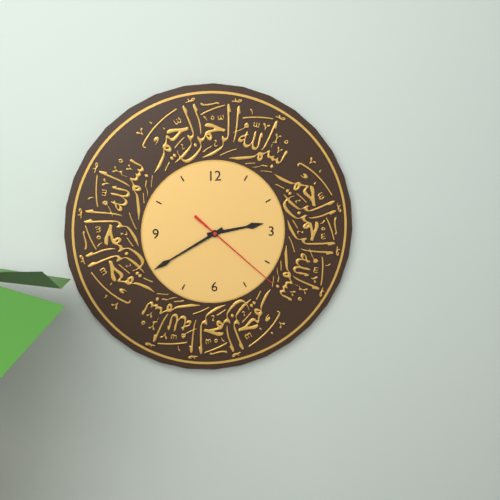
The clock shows 2:40:22
